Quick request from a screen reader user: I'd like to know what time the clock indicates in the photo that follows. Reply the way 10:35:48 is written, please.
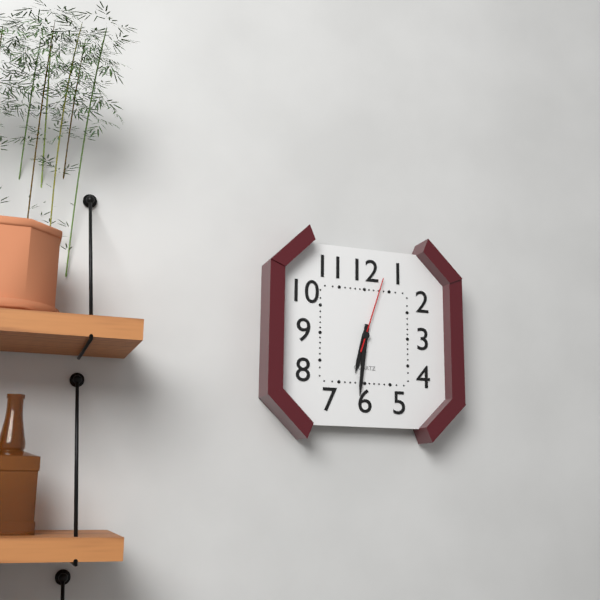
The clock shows 6:31:03
